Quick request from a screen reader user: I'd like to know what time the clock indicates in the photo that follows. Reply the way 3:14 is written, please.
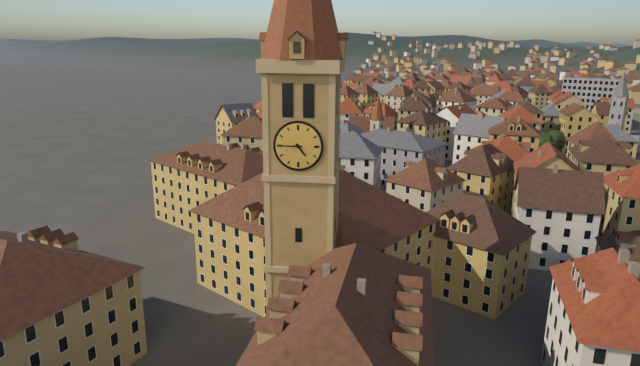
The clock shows 4:45
